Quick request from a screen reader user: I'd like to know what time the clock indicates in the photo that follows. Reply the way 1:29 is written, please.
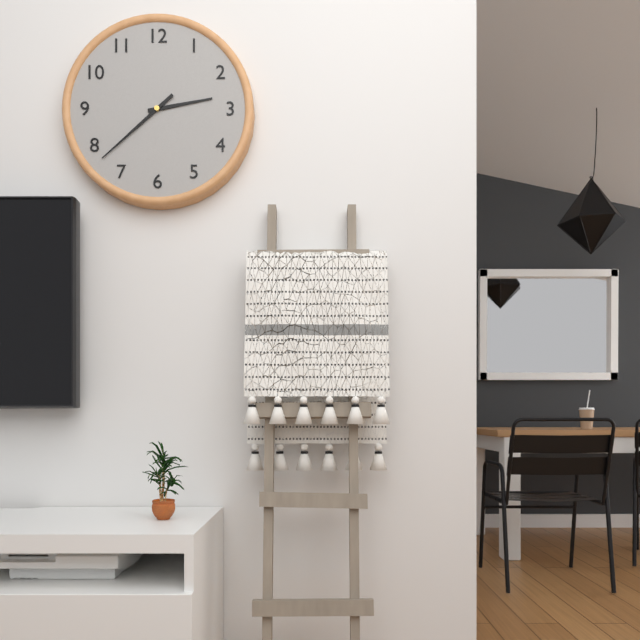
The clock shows 2:38
